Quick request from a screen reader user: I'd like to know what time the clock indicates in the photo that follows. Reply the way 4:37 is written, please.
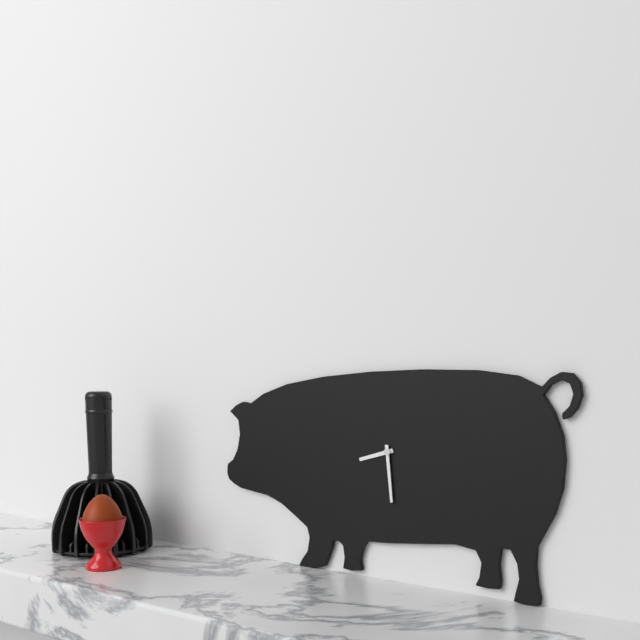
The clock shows 8:29
